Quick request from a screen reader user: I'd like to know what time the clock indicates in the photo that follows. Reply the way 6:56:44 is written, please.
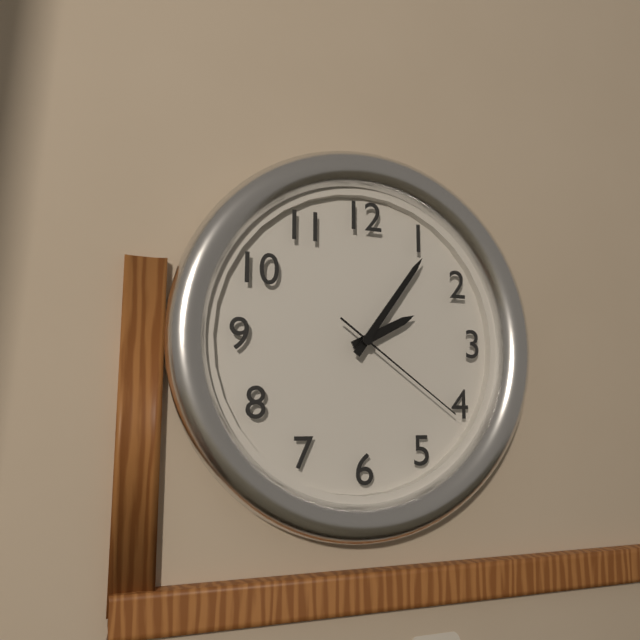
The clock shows 2:06:21
